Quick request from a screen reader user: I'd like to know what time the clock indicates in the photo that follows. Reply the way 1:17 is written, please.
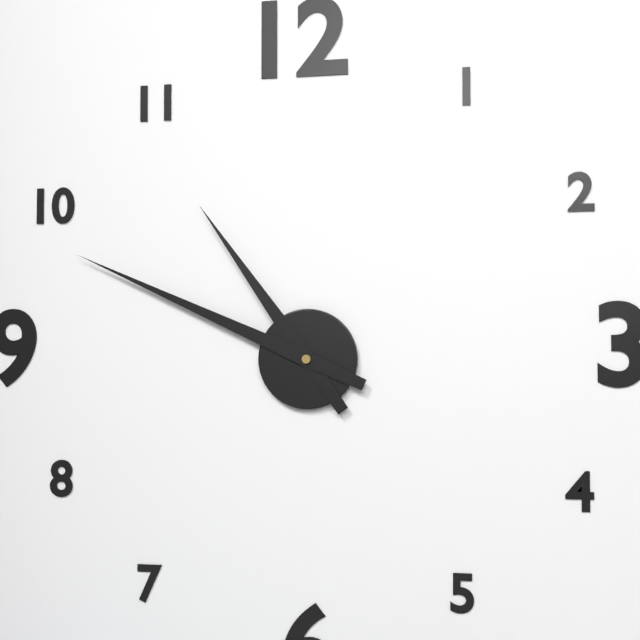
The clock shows 10:49
